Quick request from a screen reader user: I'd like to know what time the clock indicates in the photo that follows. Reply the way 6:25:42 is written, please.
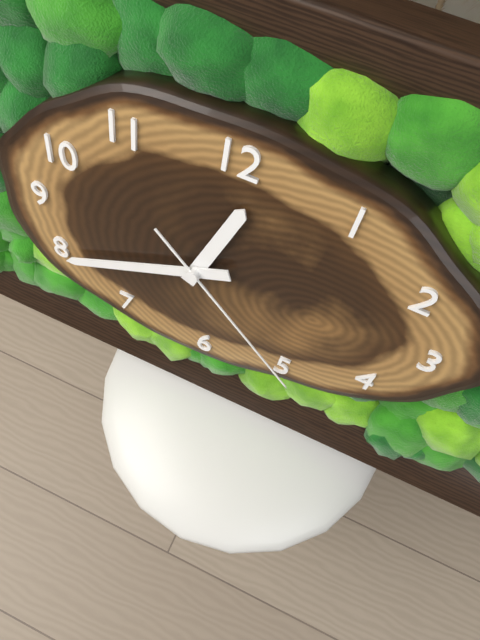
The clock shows 12:41:22
